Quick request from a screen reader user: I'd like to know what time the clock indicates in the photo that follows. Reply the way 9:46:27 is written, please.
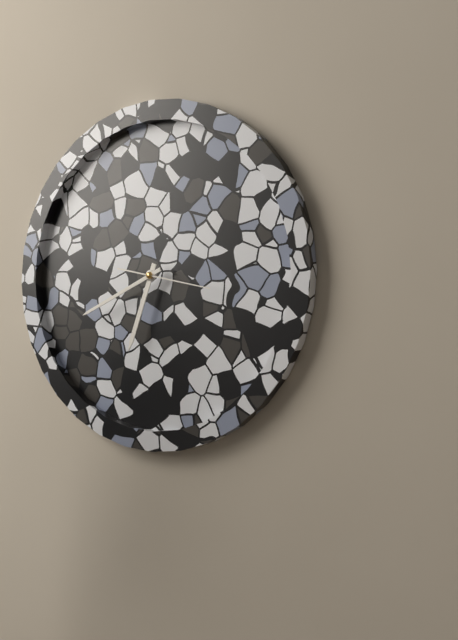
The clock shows 6:41:17
